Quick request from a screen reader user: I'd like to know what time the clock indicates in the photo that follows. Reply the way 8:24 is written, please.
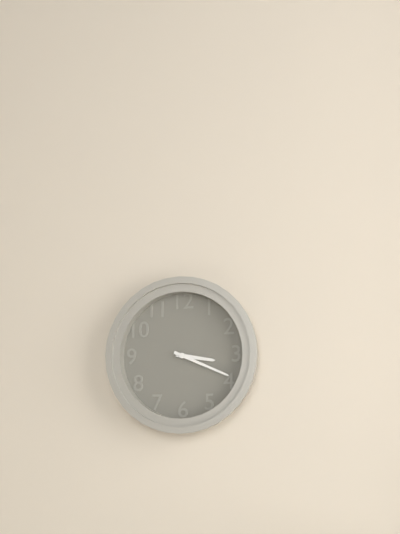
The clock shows 3:19
